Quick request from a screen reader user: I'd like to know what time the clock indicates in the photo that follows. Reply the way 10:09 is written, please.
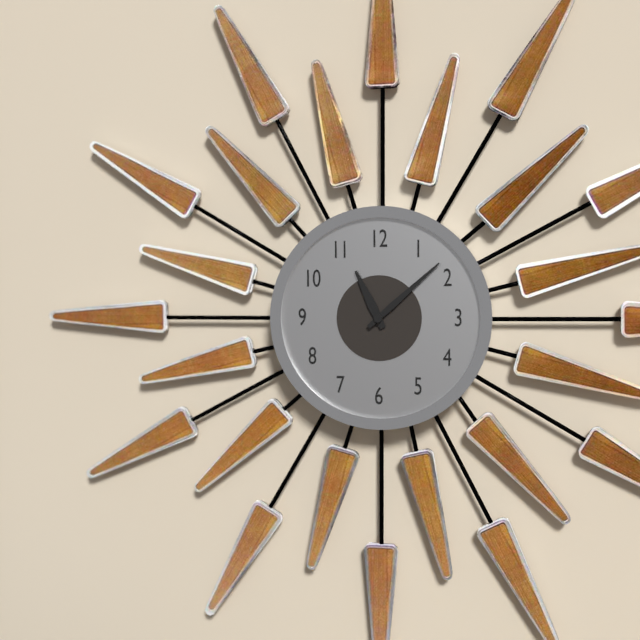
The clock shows 11:08
